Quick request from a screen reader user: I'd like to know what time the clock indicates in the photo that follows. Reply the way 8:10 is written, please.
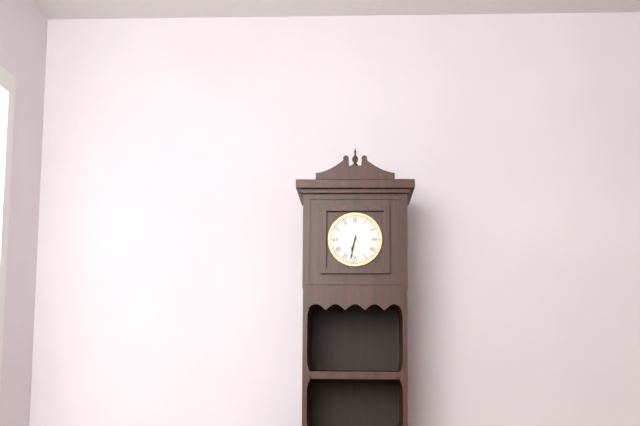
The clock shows 6:32
